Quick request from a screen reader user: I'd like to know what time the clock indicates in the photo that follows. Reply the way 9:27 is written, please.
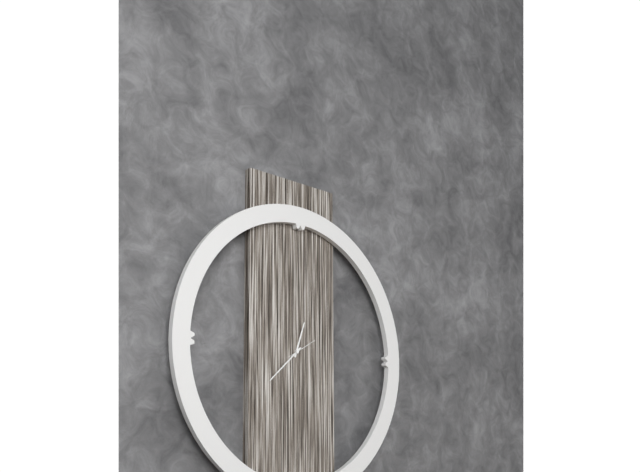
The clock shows 12:38
